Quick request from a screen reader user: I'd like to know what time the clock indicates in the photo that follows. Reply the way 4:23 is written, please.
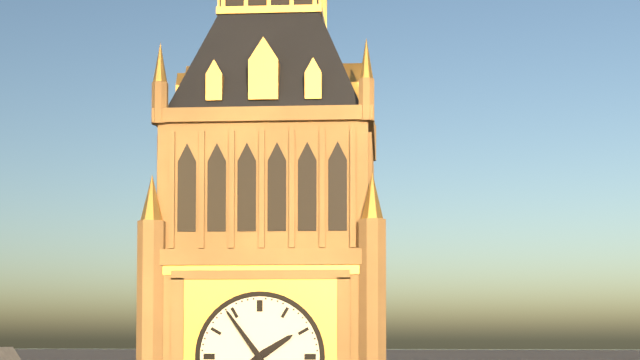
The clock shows 1:54
